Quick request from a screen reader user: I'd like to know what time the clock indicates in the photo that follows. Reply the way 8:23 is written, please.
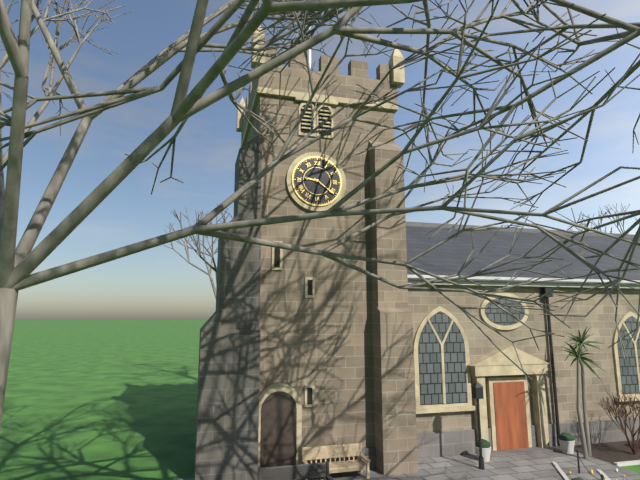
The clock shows 9:21
